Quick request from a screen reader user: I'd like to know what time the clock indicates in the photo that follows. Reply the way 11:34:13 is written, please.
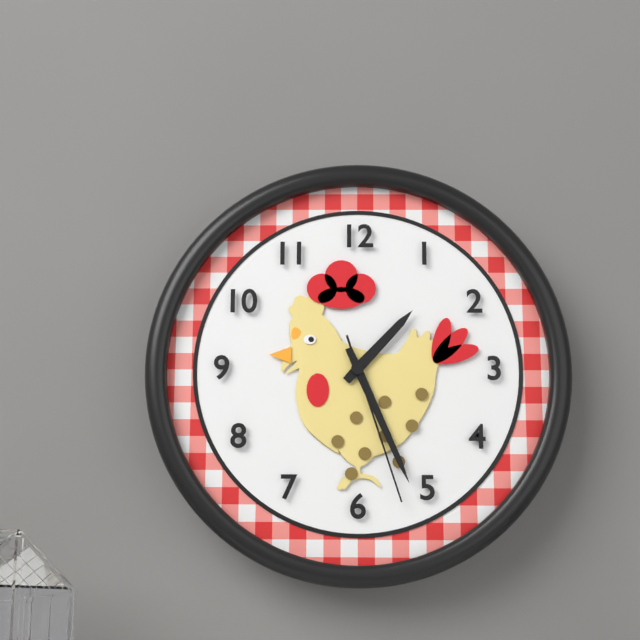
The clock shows 1:26:27
